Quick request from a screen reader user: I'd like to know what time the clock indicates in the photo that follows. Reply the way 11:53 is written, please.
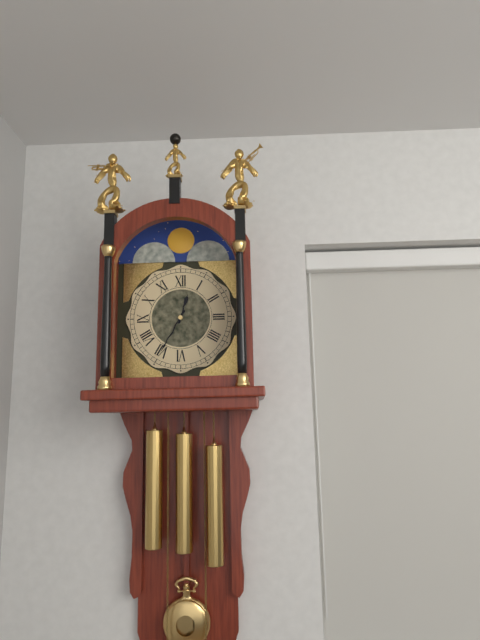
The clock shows 12:35
